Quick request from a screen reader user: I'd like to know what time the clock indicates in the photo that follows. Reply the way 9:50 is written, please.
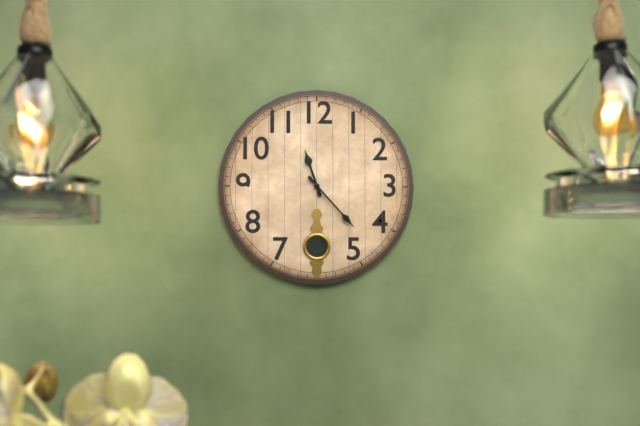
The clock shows 11:23
